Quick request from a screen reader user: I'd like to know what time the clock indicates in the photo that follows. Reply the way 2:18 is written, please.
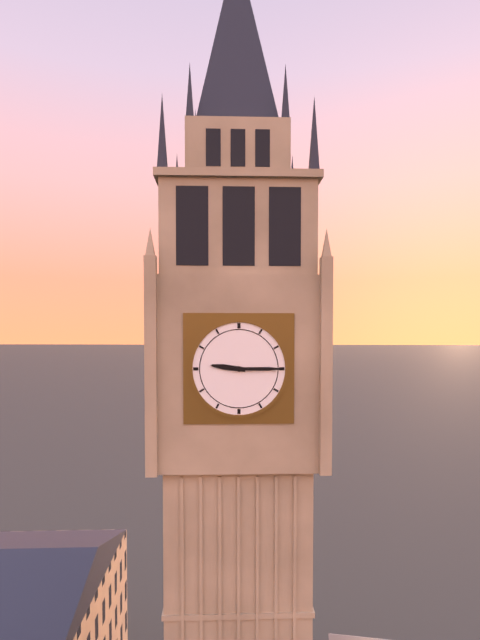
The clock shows 9:15
